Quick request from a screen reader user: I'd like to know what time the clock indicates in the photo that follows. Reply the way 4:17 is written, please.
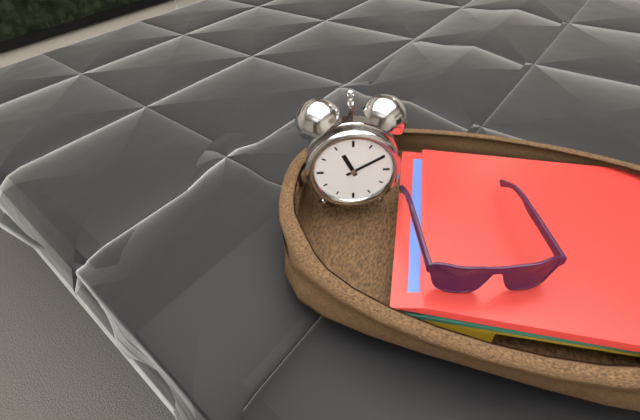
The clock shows 11:10
